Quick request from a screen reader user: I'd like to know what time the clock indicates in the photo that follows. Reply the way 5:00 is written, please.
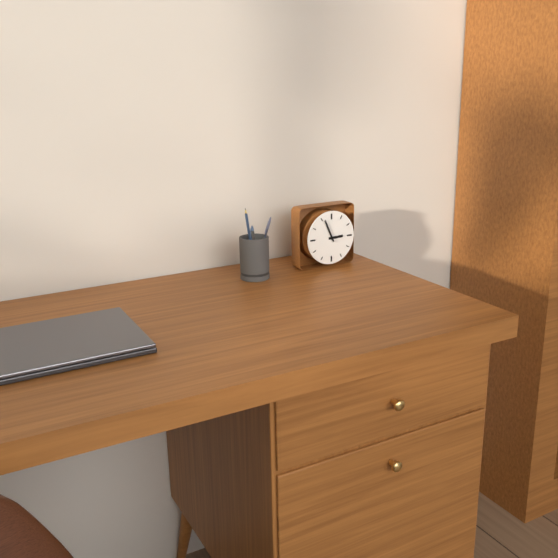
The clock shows 2:56
